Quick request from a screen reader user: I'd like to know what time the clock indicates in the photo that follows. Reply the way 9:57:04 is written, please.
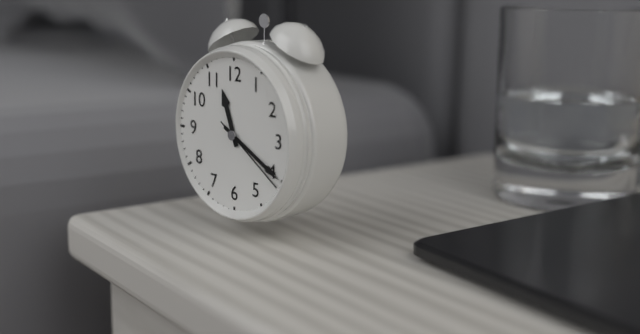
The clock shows 11:20:21
